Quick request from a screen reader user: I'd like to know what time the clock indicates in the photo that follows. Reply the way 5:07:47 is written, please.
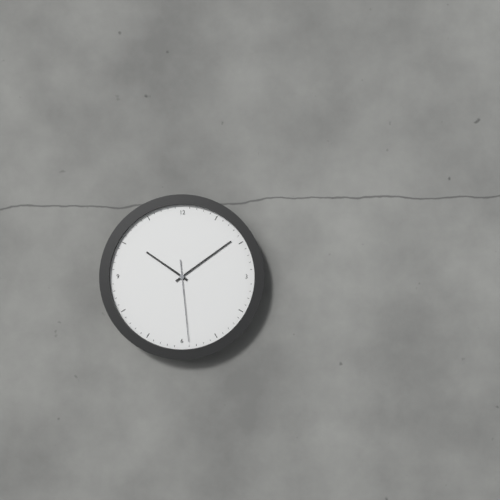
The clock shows 10:09:29
